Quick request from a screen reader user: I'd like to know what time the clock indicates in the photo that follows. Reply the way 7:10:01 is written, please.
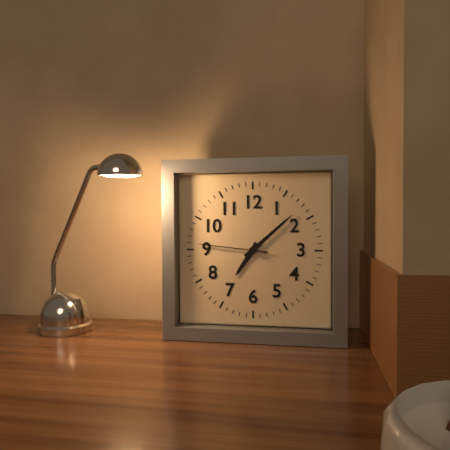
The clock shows 7:08:46
